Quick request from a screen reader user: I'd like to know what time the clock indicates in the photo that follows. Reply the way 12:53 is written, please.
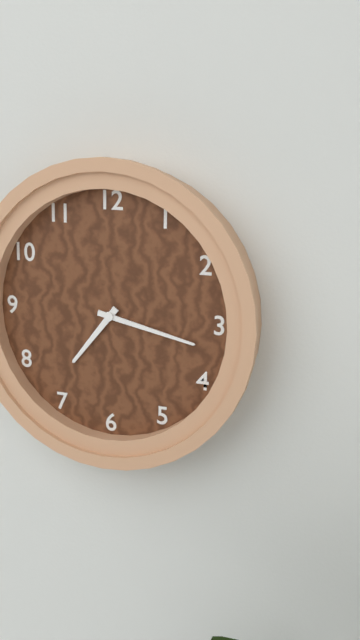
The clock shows 7:17
